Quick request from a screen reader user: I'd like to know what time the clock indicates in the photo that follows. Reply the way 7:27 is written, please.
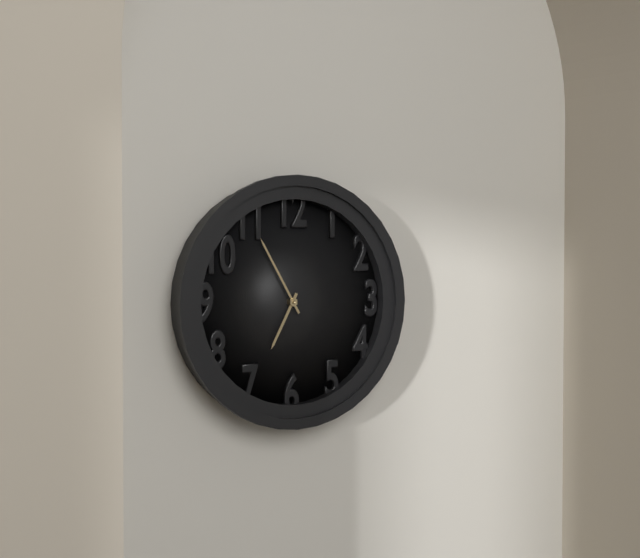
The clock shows 6:55
